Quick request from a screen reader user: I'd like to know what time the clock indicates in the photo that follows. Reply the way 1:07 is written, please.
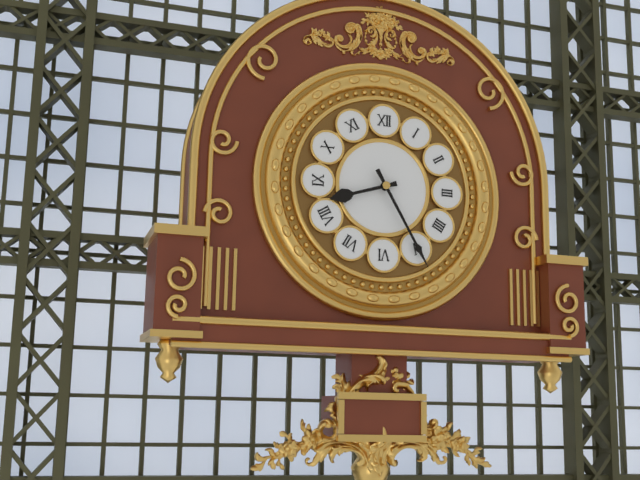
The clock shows 8:25
